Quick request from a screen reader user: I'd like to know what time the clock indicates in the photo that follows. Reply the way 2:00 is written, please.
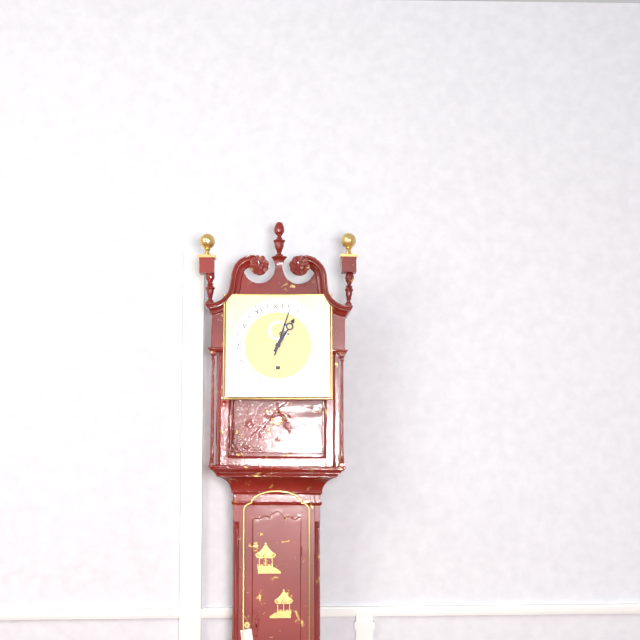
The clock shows 1:03
